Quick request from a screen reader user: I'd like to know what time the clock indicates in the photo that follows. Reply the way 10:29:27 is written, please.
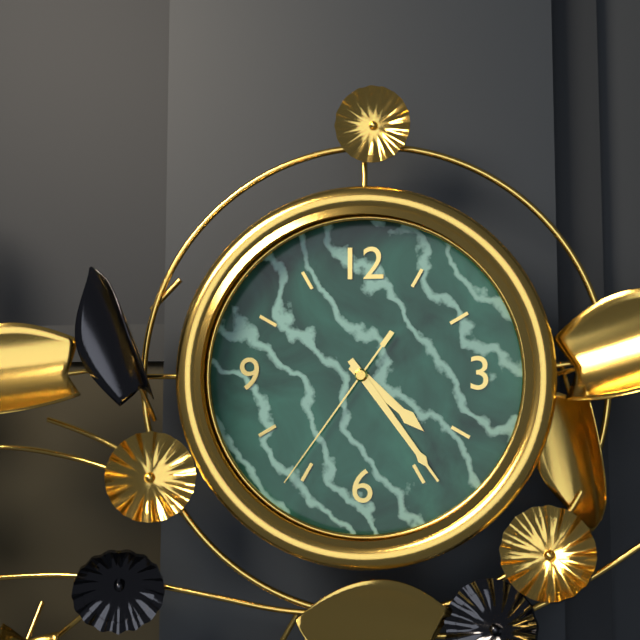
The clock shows 4:24:36
